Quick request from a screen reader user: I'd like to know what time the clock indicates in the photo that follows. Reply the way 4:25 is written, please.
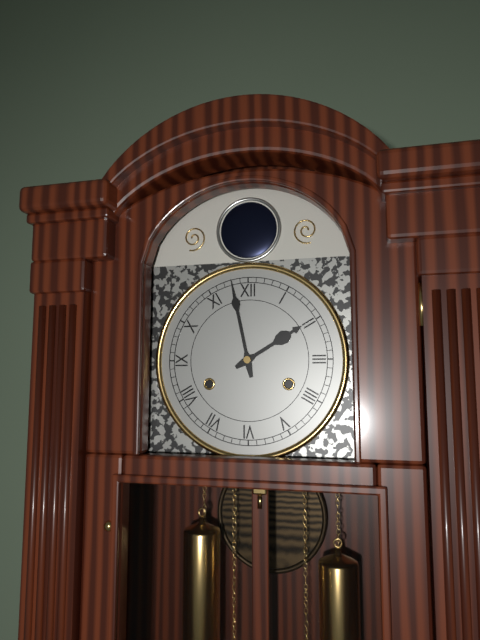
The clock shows 1:58
